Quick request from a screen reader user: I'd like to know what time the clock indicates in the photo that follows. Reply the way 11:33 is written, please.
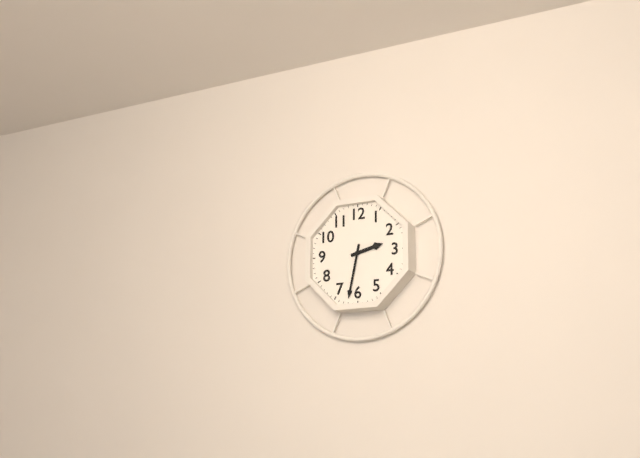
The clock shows 2:32
